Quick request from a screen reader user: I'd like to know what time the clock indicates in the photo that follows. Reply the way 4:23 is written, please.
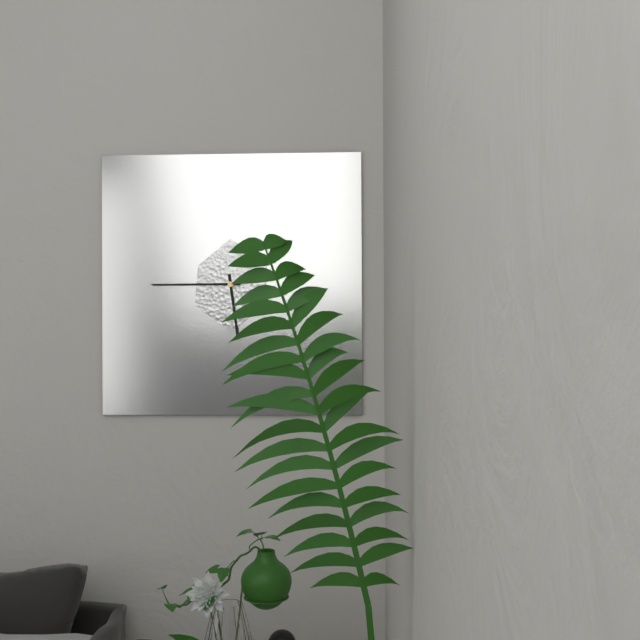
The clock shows 5:45
